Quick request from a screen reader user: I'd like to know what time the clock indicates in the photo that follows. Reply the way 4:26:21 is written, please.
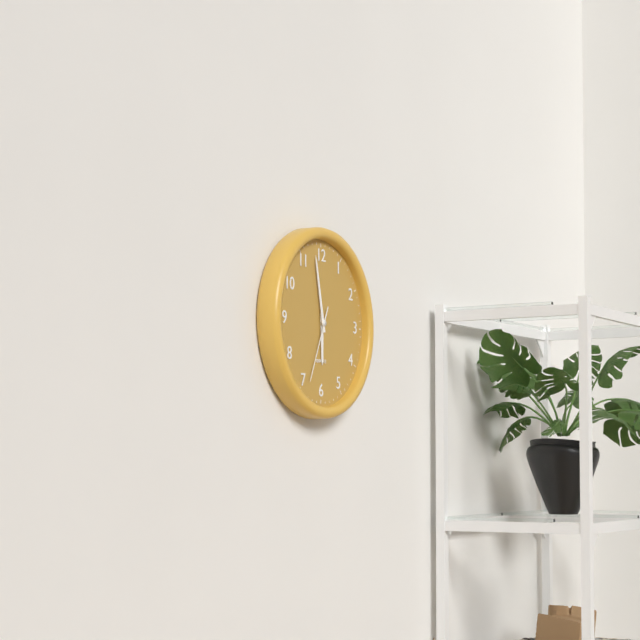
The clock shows 5:58:34
